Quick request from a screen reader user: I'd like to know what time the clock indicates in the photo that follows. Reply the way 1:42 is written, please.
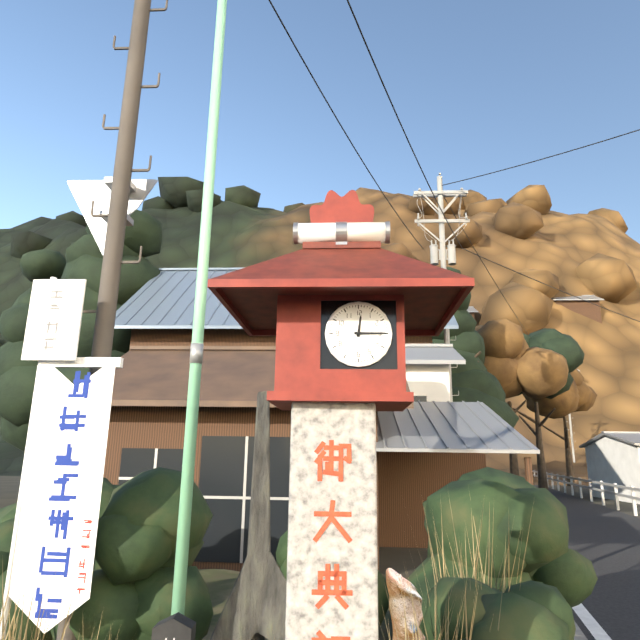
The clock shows 12:15
